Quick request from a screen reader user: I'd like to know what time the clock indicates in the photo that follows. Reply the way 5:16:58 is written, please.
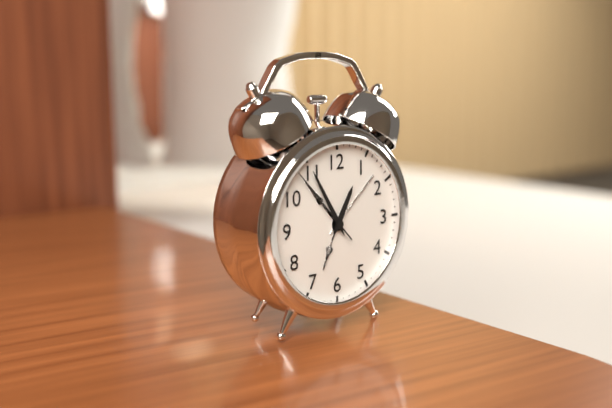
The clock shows 12:55:53
